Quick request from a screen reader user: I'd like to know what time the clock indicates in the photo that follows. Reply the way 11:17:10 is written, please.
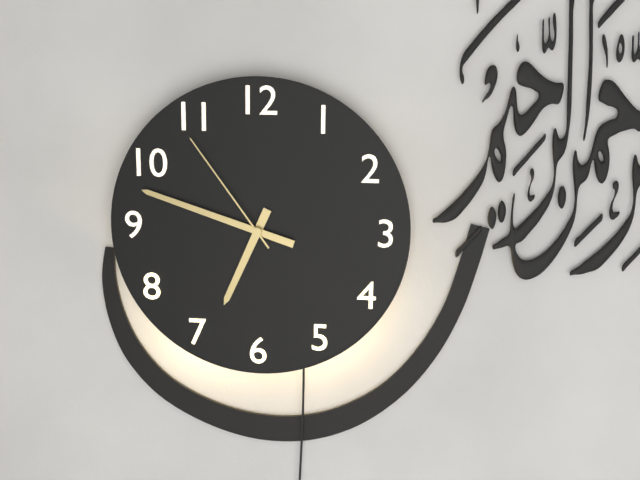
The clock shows 6:48:54
